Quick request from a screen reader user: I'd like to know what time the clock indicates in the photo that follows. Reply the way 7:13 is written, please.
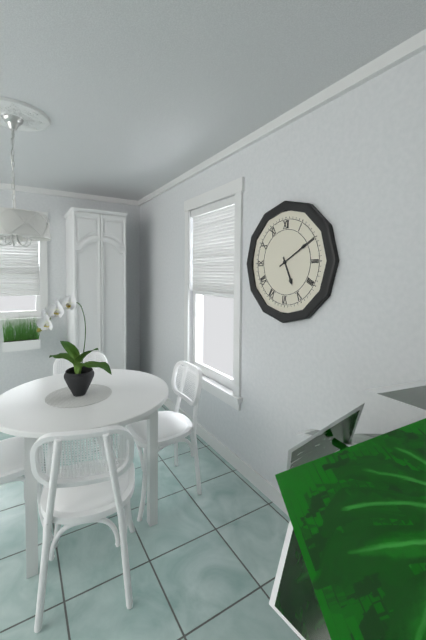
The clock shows 5:10
